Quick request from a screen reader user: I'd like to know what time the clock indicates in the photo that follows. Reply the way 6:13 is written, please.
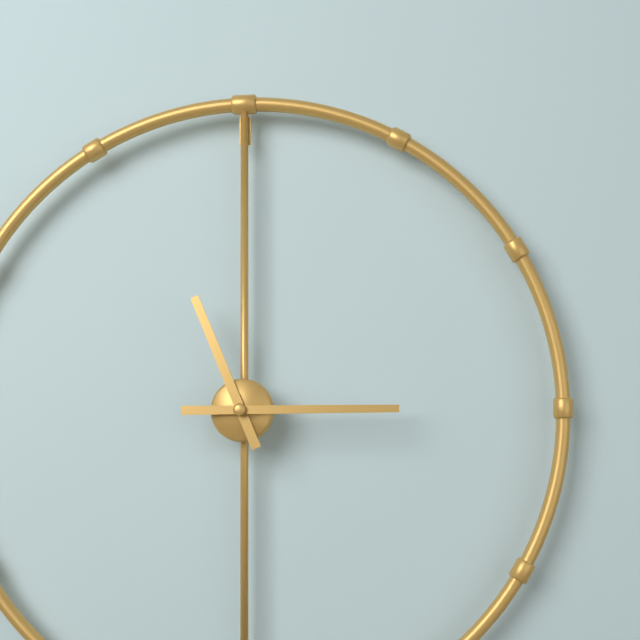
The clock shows 11:15
